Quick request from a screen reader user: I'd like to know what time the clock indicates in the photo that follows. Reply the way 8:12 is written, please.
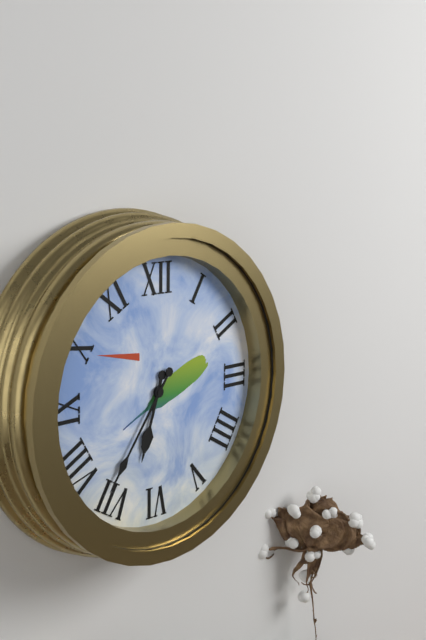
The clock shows 6:36
